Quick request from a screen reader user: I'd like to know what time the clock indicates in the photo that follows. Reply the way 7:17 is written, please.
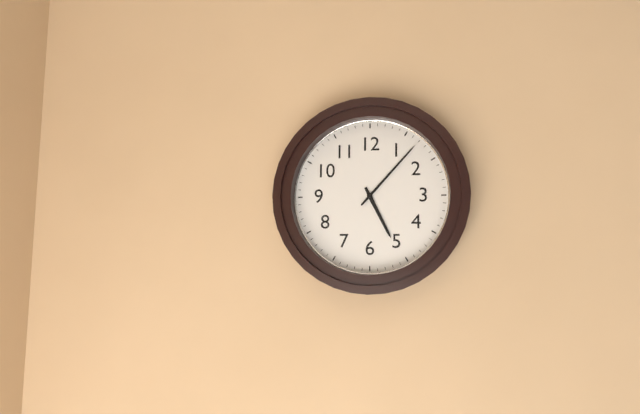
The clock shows 5:07
